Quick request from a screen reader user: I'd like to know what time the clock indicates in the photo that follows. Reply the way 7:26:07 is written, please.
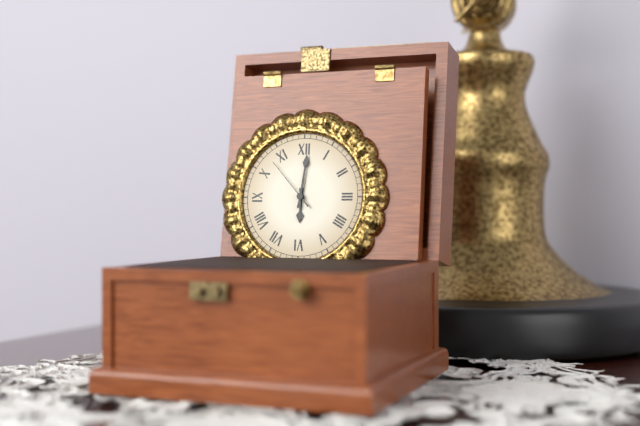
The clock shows 6:01:53
